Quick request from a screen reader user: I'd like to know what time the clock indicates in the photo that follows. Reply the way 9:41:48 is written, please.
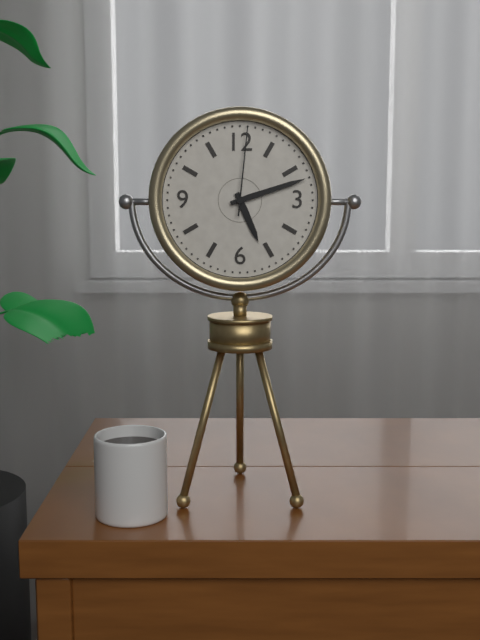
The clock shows 5:12:01
